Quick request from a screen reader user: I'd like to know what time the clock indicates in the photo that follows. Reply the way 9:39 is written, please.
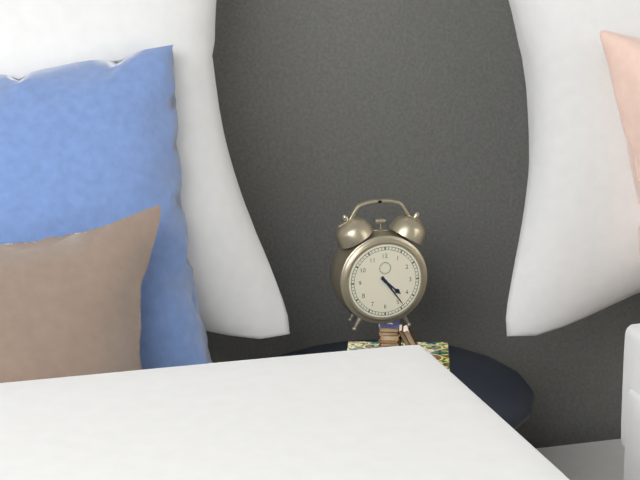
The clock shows 4:24
